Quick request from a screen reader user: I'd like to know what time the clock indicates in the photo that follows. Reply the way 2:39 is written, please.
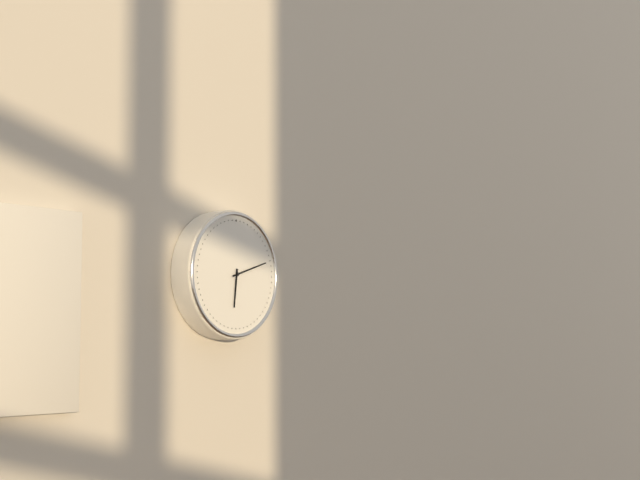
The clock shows 6:12
